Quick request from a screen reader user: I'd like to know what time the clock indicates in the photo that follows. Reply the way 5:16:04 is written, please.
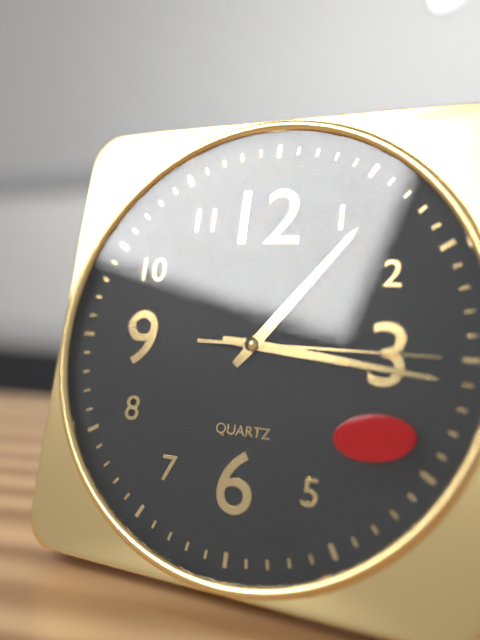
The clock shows 1:16:15
